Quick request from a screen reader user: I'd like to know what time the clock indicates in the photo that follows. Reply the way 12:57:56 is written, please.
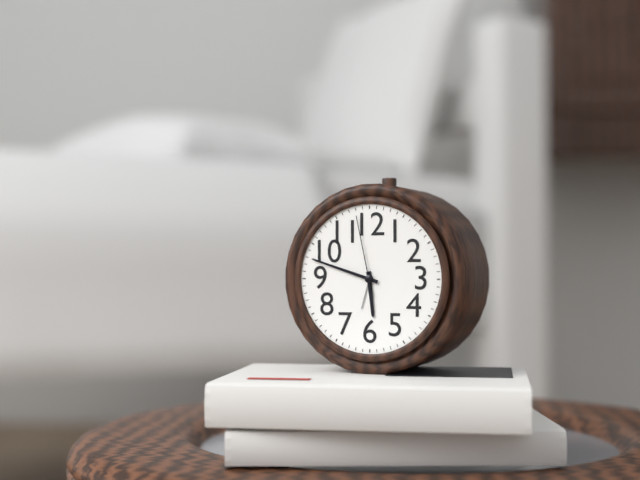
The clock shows 5:48:58
